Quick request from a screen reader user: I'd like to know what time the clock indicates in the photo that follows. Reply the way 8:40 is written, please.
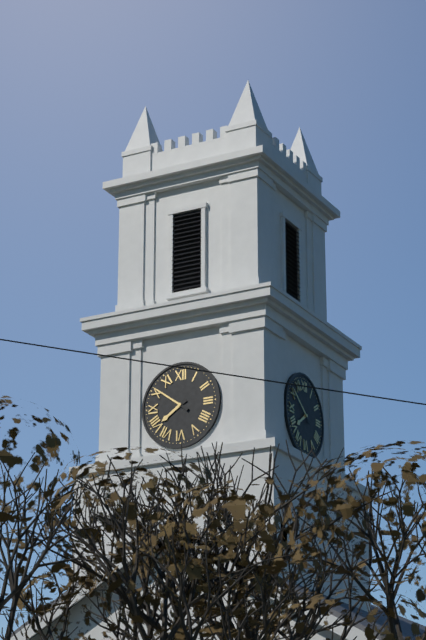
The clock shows 7:51
